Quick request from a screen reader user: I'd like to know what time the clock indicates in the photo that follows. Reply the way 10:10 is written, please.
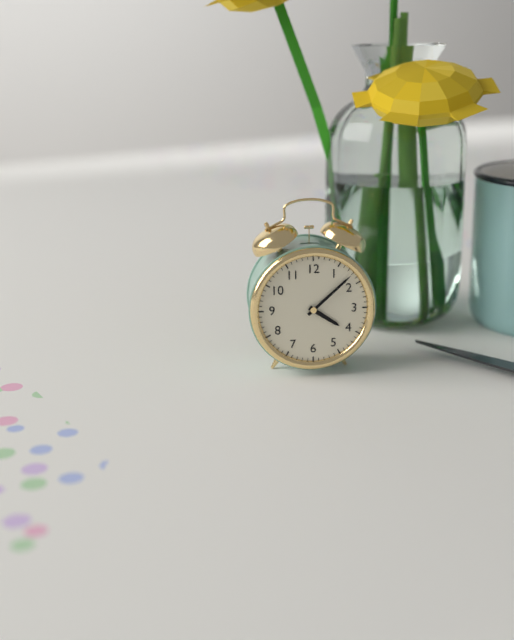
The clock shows 4:08
